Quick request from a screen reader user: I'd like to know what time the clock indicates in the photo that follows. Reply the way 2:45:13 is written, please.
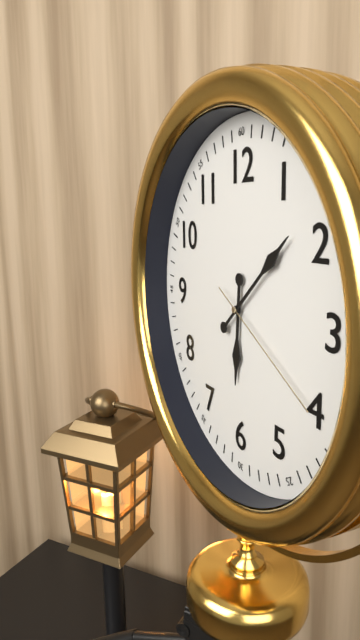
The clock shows 6:08:20
